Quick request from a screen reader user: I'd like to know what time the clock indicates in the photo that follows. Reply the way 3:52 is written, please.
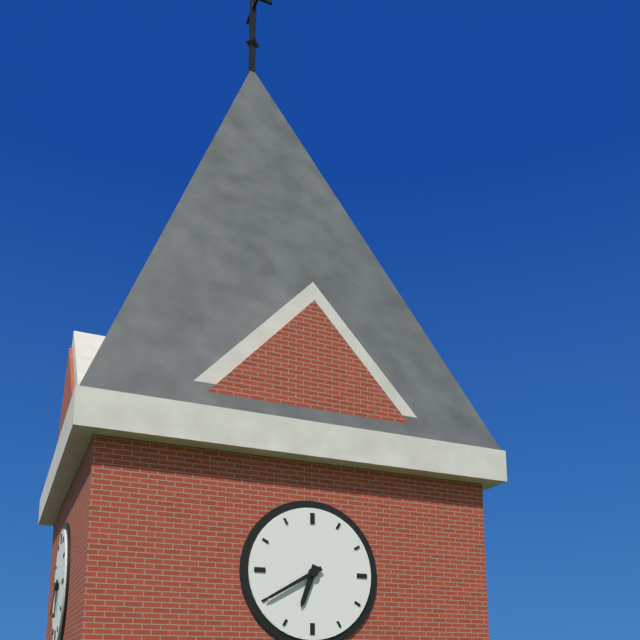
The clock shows 6:40
